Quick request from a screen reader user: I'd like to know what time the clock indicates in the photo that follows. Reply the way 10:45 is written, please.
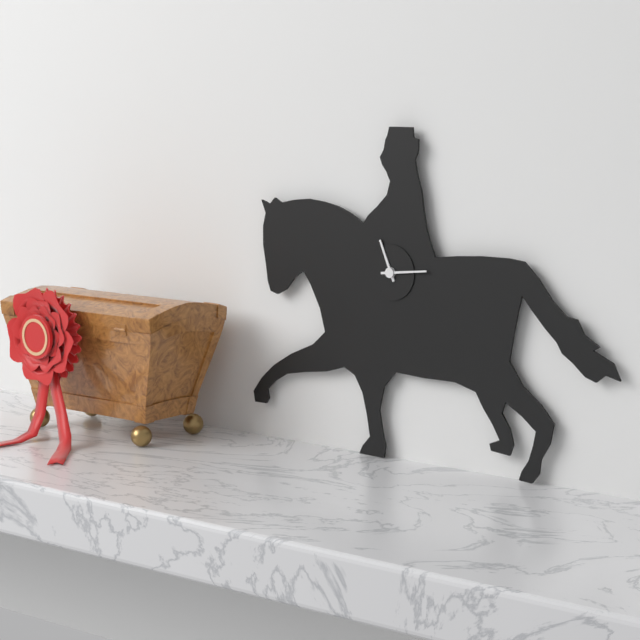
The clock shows 11:14
